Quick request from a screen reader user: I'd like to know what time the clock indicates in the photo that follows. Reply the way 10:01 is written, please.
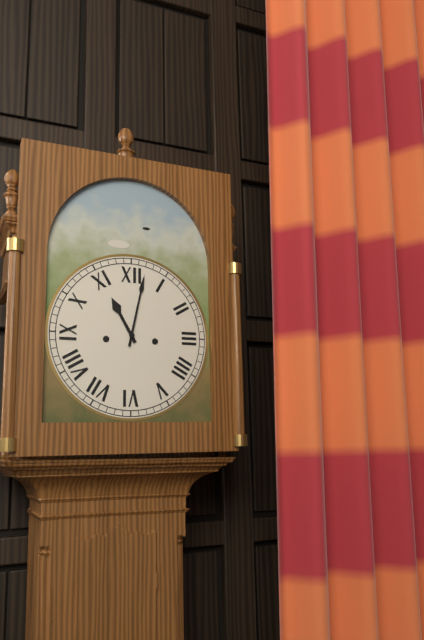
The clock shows 11:02
